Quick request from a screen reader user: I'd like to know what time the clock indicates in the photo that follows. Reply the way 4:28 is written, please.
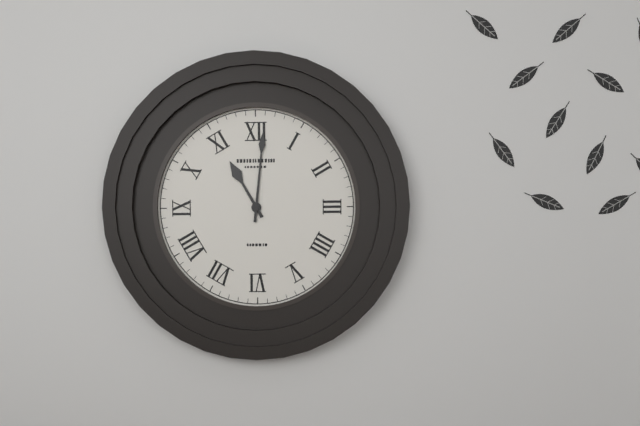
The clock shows 11:01
